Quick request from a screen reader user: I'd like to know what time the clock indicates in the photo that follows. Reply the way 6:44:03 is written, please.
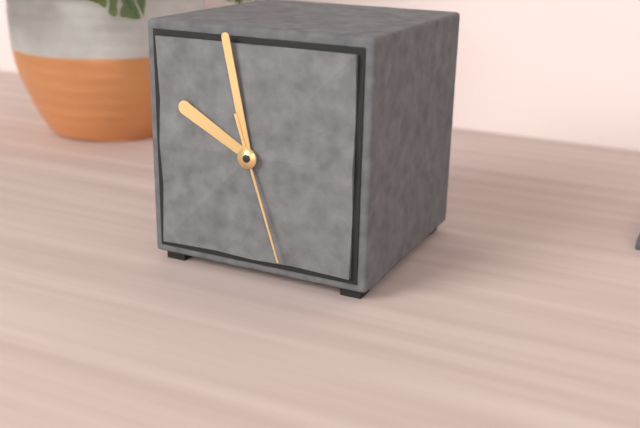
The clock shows 9:58:27
